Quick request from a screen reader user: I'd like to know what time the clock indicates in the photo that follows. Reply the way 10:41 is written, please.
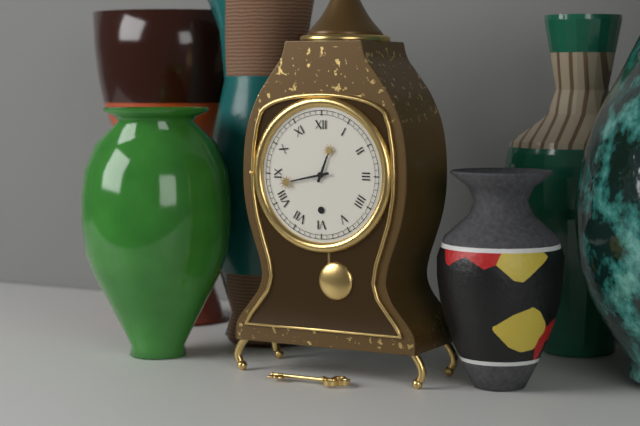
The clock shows 12:43
